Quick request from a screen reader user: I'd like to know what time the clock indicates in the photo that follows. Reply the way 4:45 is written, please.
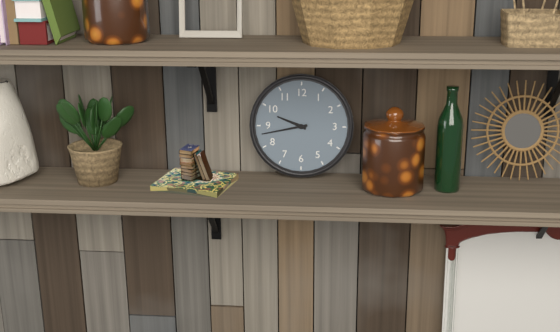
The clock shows 9:43
